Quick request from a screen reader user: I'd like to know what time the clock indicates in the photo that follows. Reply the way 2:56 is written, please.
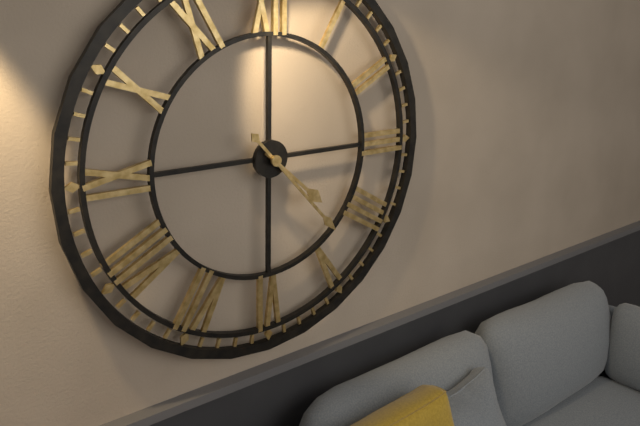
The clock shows 4:23
